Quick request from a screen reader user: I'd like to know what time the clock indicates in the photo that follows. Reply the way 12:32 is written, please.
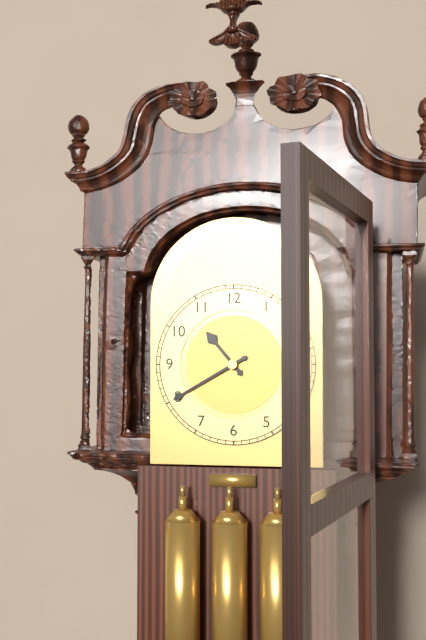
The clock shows 10:40
